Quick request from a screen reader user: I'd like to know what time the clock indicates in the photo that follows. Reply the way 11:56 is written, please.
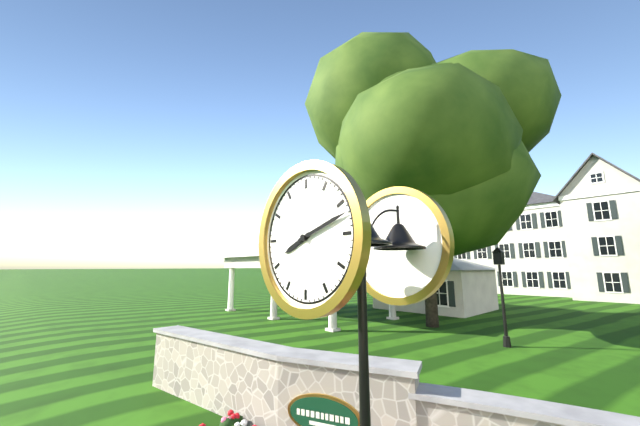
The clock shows 8:12
